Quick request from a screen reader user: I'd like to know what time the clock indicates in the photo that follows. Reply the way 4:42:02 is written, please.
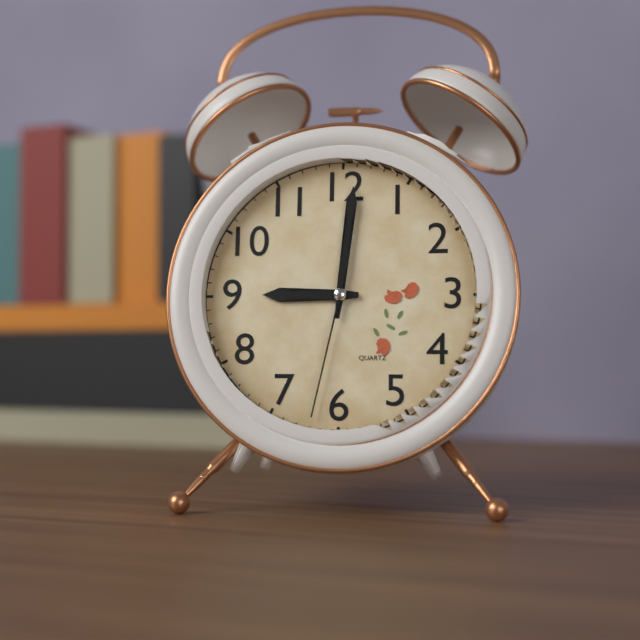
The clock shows 9:01:32
